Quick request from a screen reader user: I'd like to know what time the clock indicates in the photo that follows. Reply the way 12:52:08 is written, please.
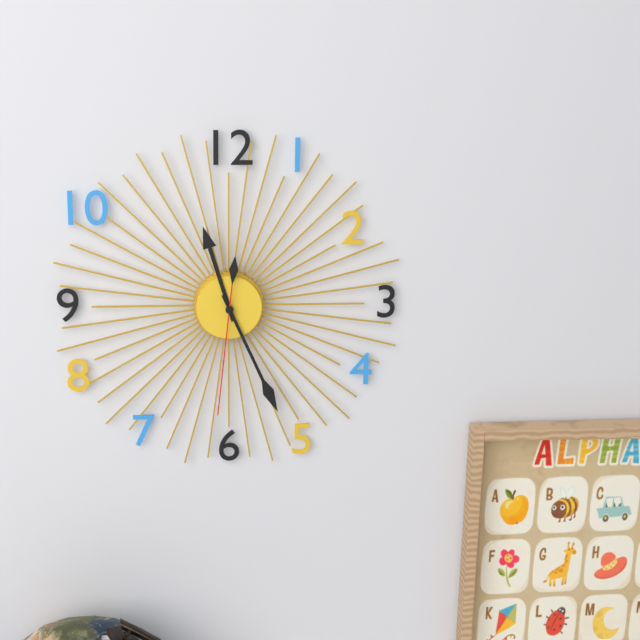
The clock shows 11:26:31
